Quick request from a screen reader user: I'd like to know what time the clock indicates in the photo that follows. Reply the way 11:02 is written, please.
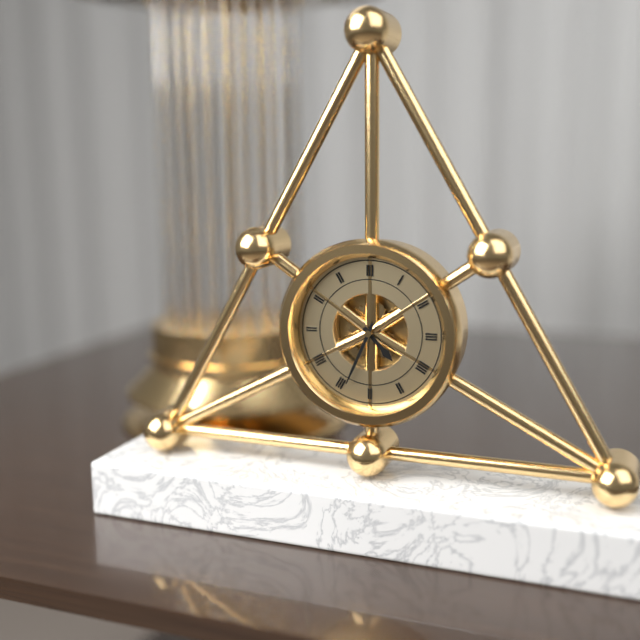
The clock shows 4:34
